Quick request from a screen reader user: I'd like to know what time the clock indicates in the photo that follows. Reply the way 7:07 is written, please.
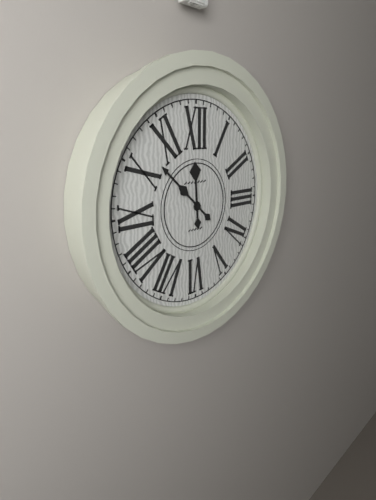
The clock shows 11:52
